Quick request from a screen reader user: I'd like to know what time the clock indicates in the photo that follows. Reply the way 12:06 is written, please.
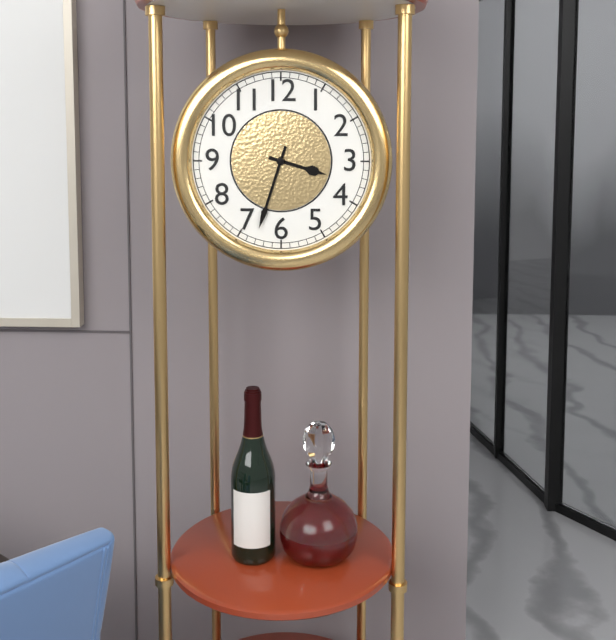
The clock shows 3:33
